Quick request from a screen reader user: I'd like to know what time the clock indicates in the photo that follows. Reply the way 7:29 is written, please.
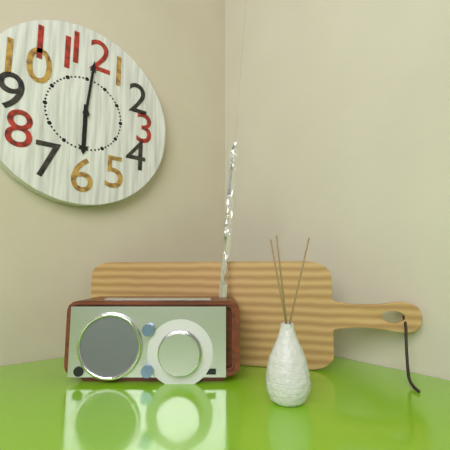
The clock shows 6:01
